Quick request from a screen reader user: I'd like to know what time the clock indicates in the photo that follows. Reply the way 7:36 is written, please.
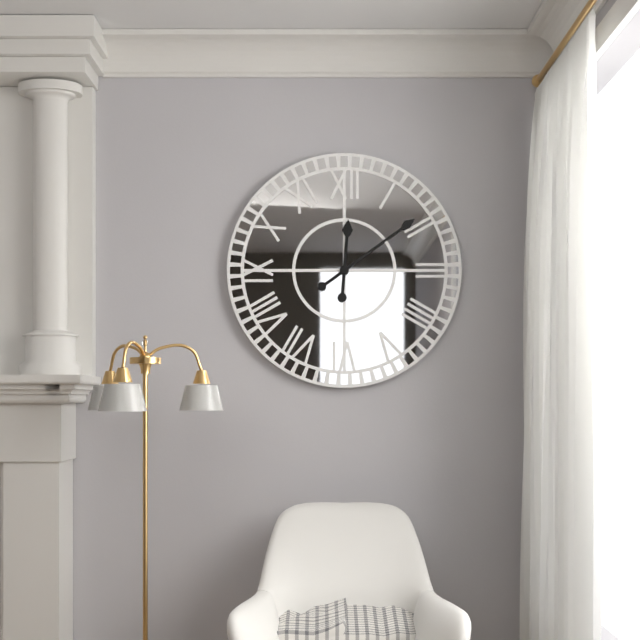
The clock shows 12:09
